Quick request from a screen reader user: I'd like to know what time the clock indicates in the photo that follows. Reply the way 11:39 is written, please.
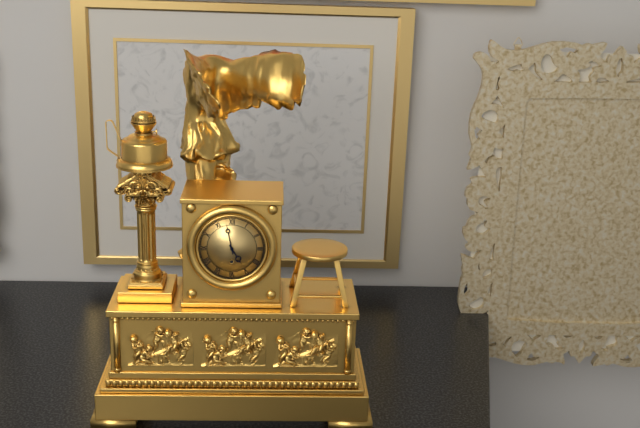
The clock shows 4:58
